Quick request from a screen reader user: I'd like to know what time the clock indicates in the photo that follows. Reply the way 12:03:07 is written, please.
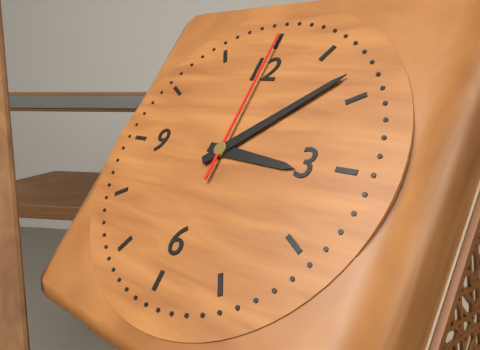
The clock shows 3:08:00
